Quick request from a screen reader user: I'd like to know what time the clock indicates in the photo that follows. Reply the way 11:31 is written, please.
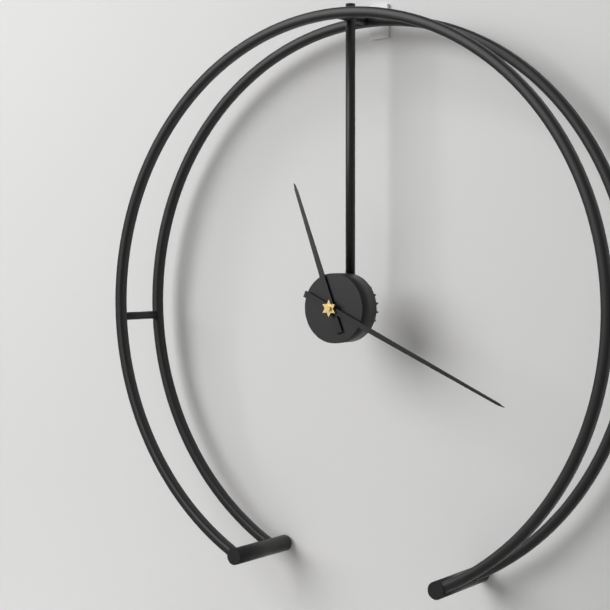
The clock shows 11:19
